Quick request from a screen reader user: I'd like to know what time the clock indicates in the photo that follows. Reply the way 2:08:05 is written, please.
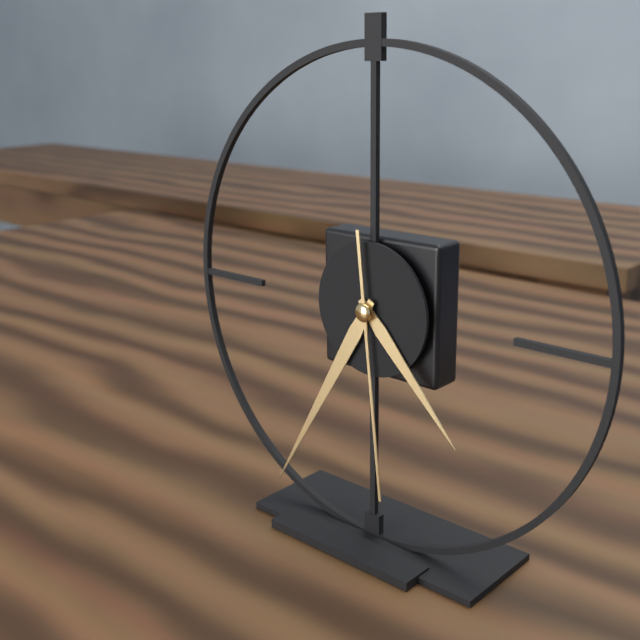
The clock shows 4:35:29
